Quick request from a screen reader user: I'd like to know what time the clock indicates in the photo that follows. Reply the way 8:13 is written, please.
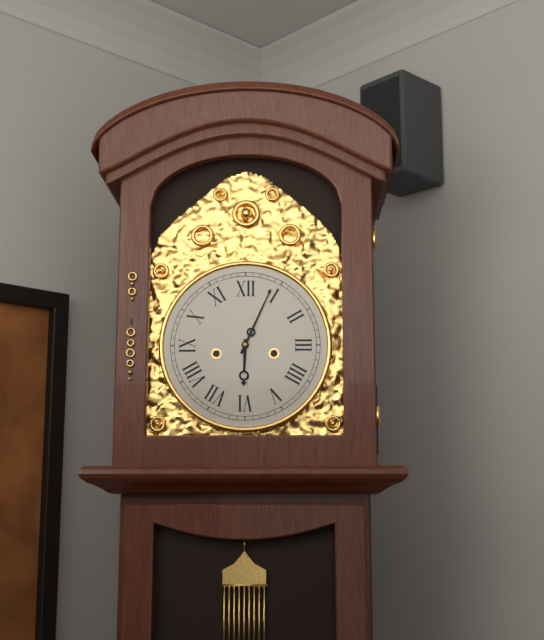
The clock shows 6:04
